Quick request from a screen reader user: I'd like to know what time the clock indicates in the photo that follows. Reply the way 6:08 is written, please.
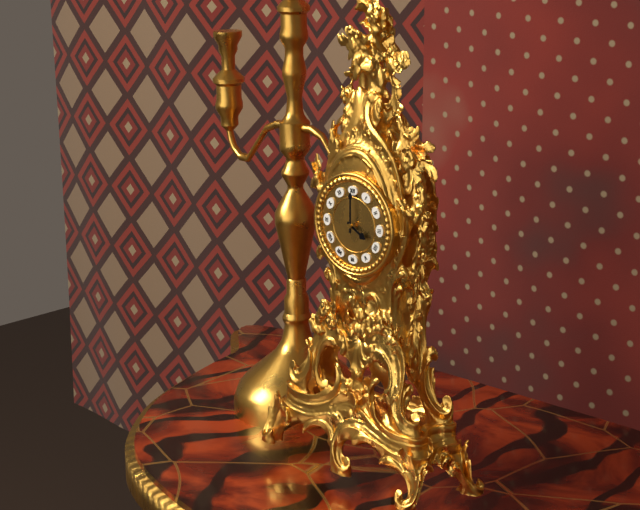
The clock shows 4:00
